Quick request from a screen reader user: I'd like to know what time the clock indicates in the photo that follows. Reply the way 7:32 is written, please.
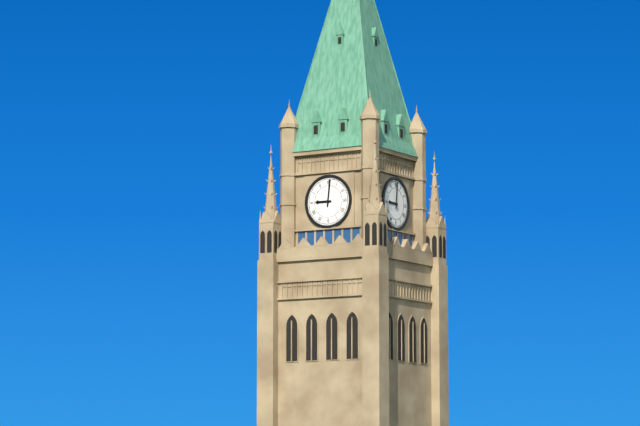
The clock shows 9:01
